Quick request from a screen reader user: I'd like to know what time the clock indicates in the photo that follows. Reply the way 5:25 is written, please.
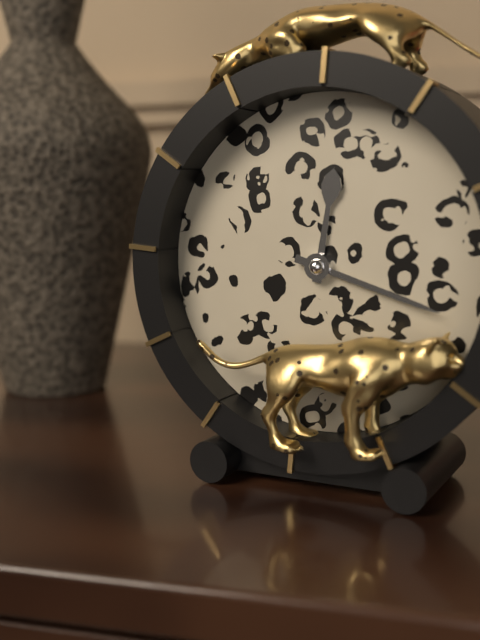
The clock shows 12:18
